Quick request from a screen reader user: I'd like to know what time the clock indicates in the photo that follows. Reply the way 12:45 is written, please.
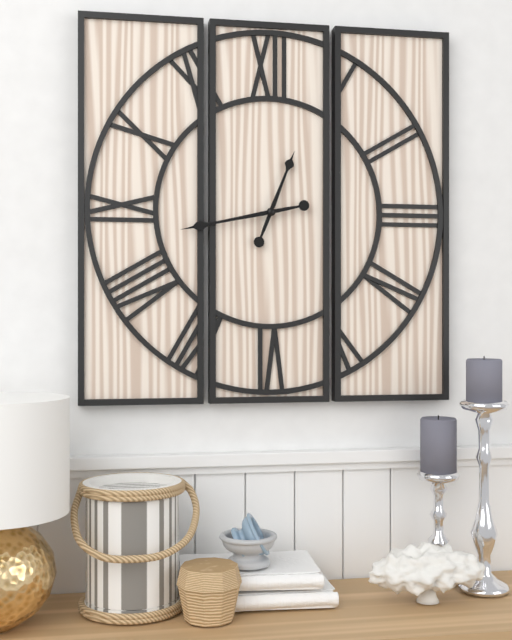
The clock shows 12:43
